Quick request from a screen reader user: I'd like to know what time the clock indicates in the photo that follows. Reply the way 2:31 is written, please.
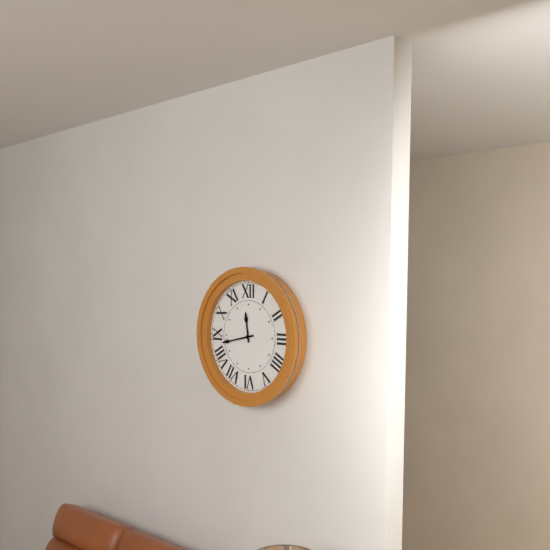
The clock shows 11:43
